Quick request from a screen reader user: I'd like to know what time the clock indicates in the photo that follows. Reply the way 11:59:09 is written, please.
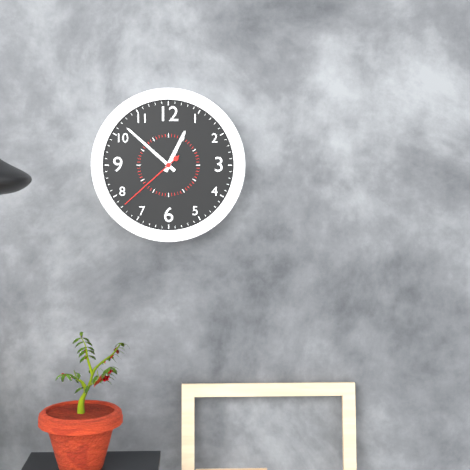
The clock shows 12:52:38
